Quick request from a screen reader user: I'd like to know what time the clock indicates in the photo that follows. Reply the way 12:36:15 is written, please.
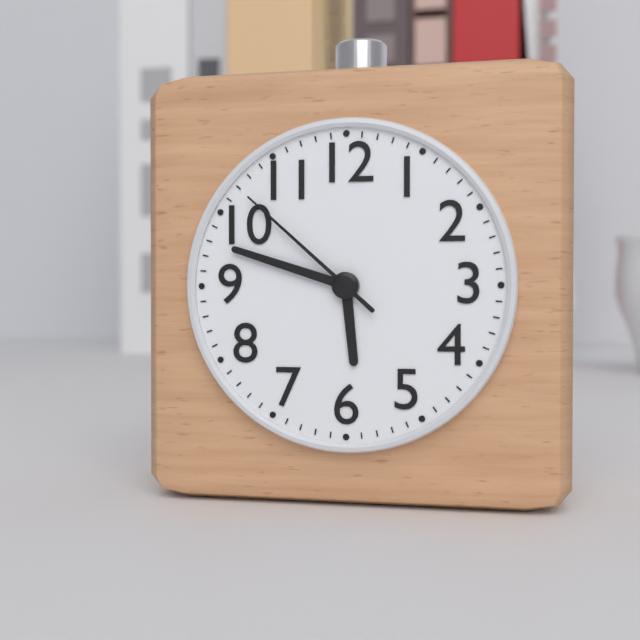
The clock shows 5:48:52
